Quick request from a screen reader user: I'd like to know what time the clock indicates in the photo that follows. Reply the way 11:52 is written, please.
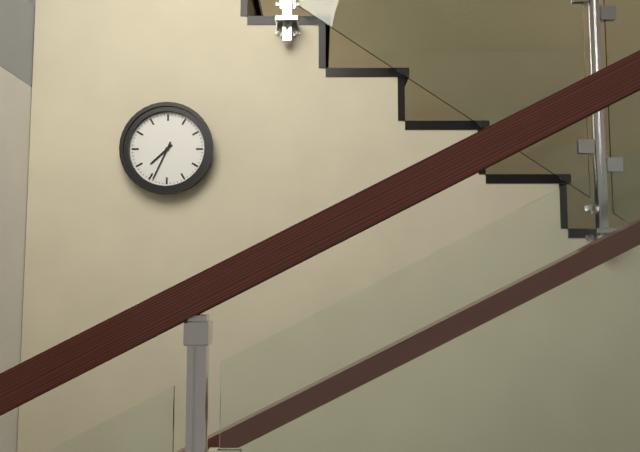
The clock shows 7:34
